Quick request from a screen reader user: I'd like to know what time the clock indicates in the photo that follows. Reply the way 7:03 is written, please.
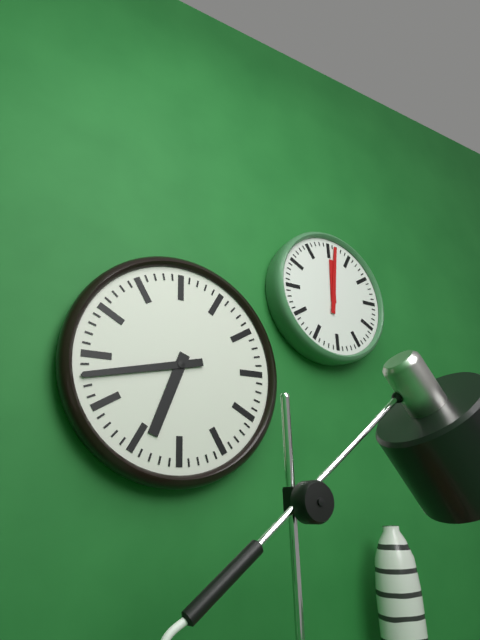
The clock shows 6:43
